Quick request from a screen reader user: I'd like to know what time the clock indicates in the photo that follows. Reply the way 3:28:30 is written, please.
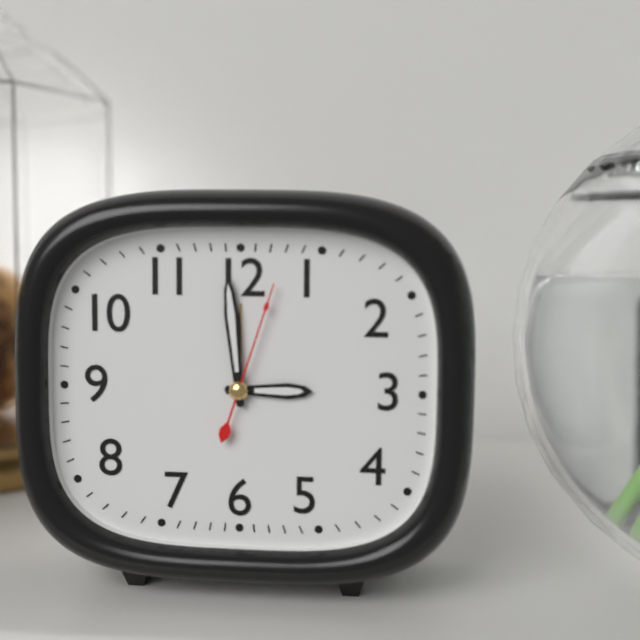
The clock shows 2:59:03
